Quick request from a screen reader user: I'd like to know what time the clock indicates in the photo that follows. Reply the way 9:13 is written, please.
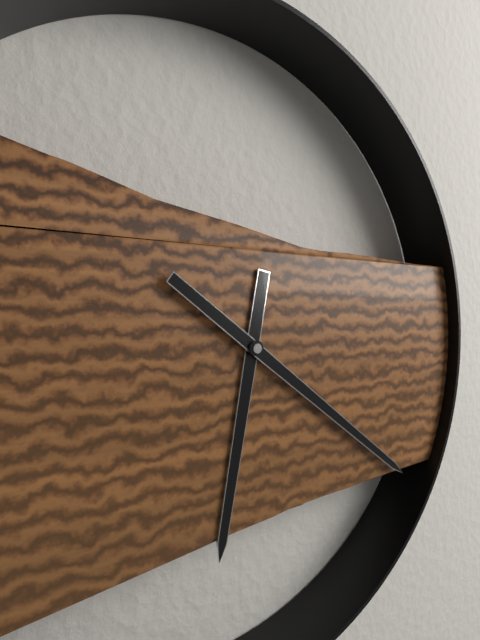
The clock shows 6:21
